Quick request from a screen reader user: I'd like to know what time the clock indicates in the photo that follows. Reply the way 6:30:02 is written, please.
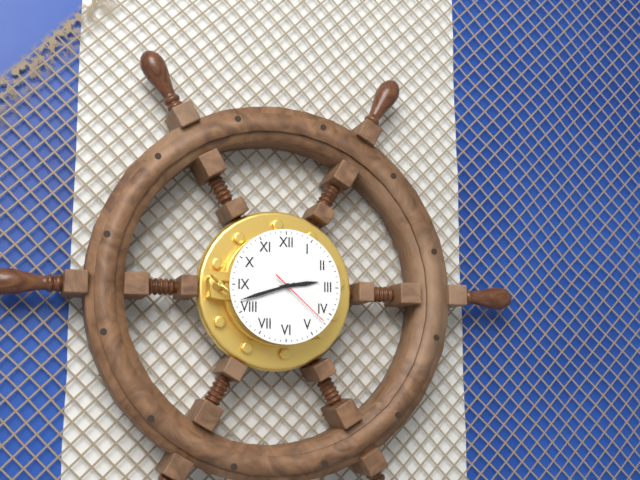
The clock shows 2:42:22
